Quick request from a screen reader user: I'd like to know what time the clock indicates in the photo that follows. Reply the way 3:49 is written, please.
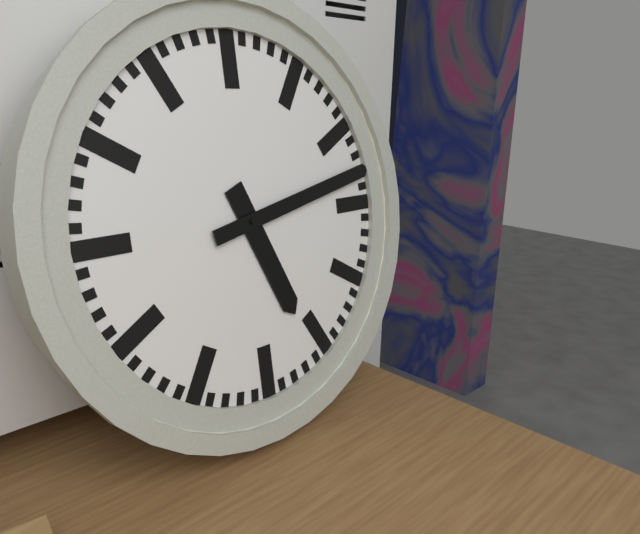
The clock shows 5:13
